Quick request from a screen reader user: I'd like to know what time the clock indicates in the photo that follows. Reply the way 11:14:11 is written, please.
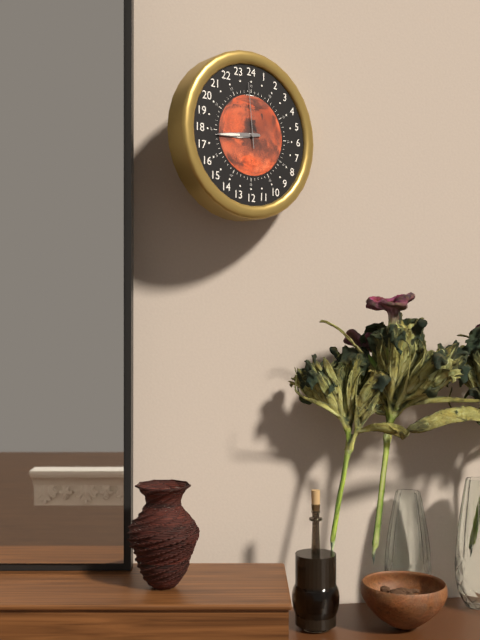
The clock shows 8:44:59
